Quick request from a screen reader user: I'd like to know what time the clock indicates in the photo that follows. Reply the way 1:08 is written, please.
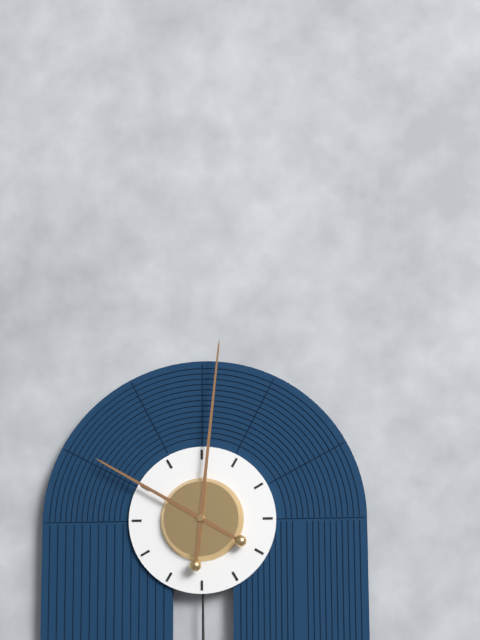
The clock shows 10:01
